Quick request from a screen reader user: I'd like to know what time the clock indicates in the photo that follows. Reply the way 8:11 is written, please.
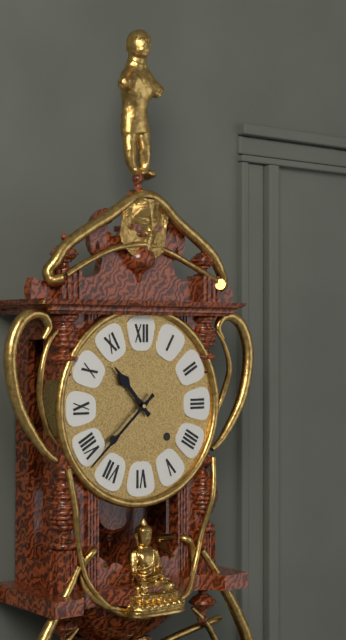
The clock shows 10:38
